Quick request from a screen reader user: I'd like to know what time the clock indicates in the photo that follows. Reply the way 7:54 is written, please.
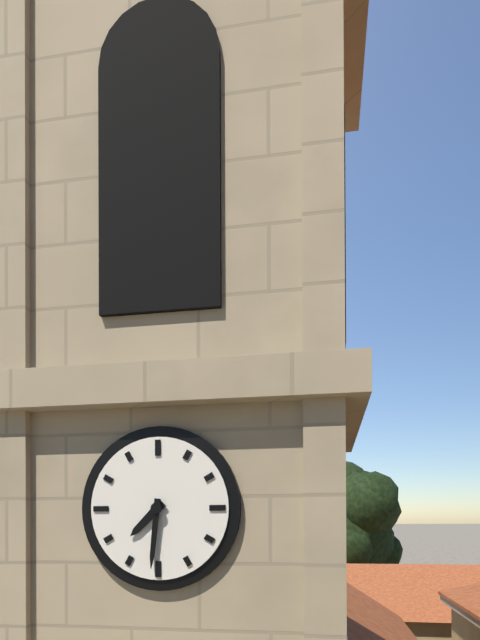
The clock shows 7:31
